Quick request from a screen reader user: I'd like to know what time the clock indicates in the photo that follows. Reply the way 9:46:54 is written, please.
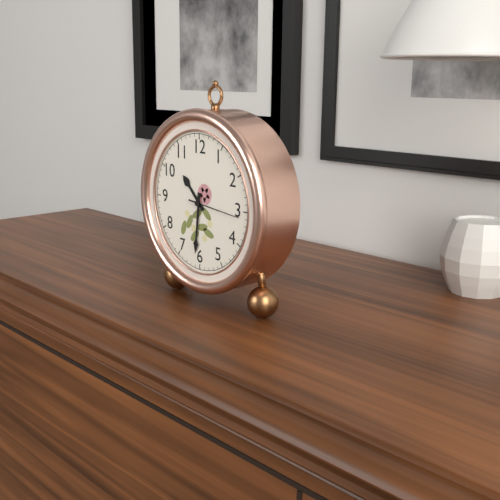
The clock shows 10:31:16
